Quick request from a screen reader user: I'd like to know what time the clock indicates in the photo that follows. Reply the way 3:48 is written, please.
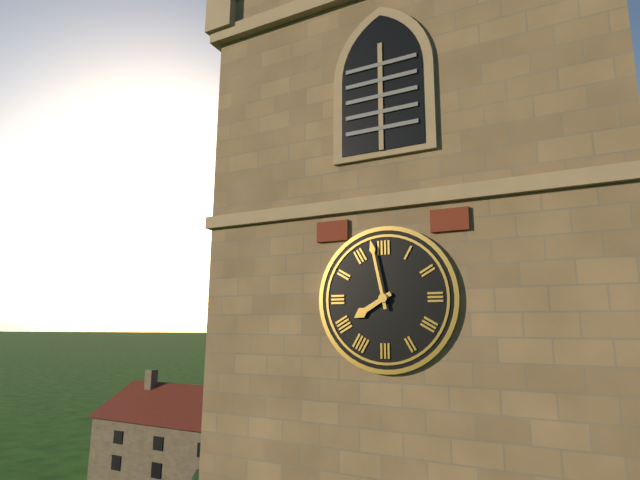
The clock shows 7:58
